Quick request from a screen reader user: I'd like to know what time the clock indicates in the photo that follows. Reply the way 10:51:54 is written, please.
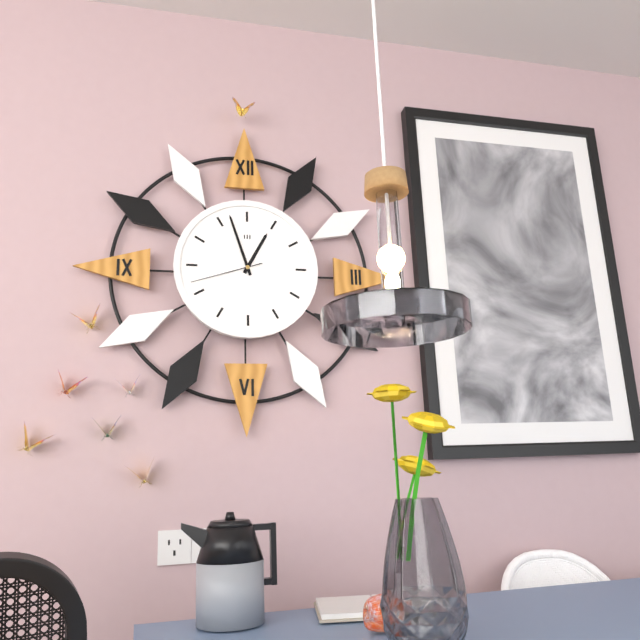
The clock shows 12:57:42
